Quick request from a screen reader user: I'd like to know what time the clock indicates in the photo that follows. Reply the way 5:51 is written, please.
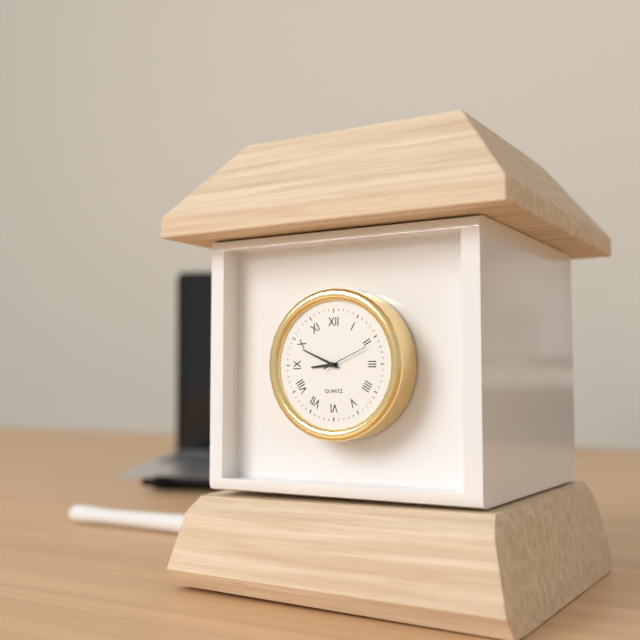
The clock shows 8:49
